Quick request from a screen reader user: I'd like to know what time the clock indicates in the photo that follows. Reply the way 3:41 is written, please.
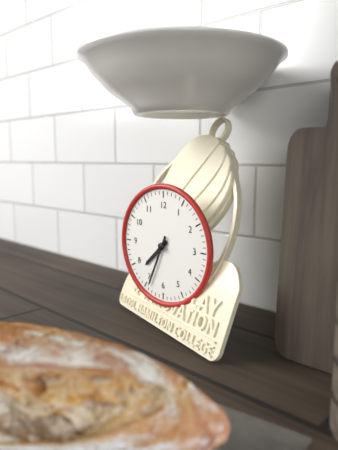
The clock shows 7:34
